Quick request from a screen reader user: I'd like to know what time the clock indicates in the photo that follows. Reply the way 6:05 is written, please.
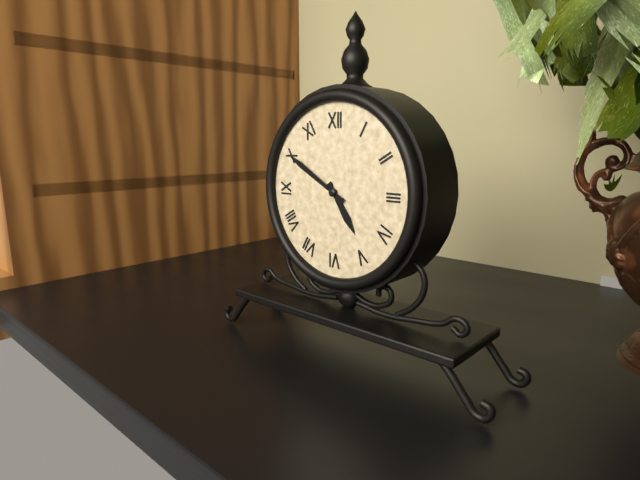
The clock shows 4:50
